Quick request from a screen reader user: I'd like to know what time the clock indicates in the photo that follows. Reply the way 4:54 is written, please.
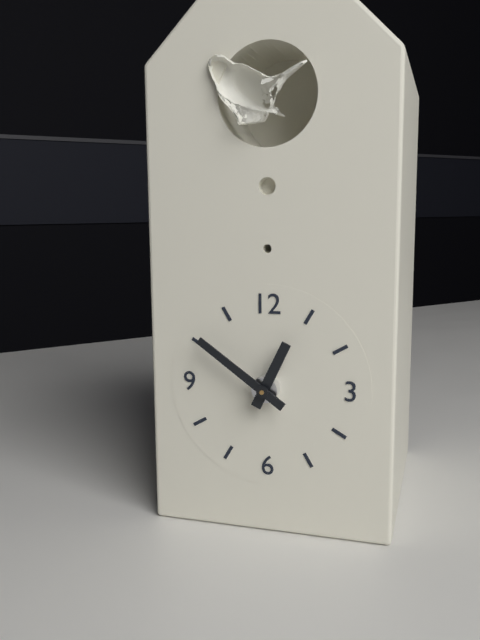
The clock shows 12:51
